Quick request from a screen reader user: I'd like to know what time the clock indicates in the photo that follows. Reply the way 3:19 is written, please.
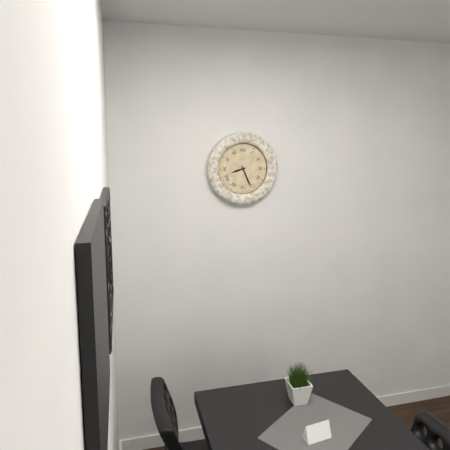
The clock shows 8:26
